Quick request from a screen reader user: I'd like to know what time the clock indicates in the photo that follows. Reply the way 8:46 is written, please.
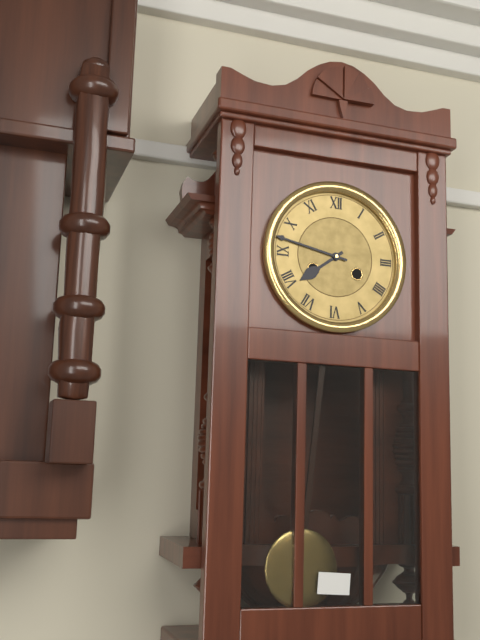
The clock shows 7:47
